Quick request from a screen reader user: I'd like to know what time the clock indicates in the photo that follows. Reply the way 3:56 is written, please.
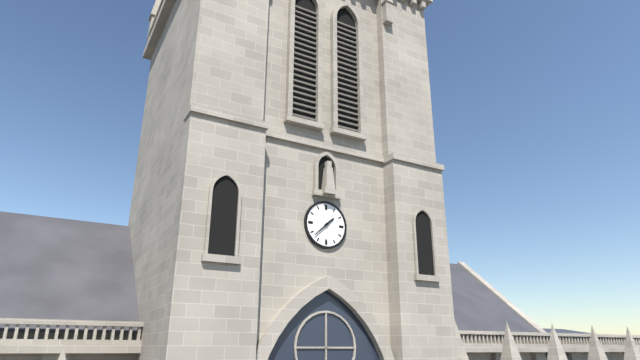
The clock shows 1:38
